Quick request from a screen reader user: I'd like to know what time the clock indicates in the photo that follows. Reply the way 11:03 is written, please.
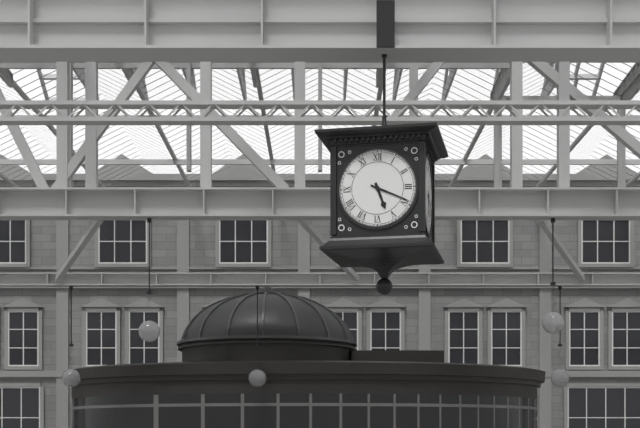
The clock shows 5:19
